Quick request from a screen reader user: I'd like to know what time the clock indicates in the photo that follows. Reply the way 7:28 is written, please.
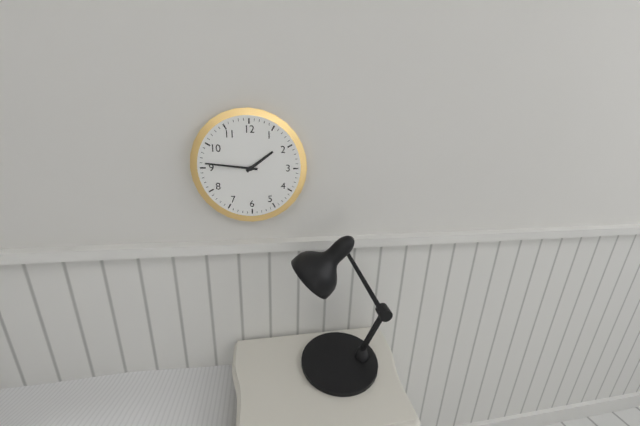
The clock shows 1:46
